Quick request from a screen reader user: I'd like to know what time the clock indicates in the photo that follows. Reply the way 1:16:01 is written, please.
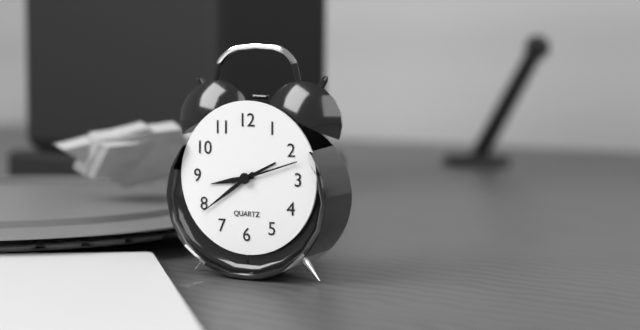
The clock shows 8:39:12
